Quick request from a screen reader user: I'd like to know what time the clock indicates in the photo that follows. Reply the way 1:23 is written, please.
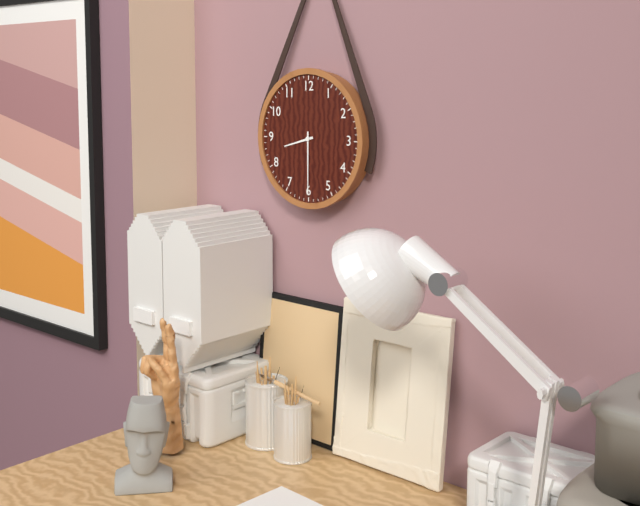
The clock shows 8:30
